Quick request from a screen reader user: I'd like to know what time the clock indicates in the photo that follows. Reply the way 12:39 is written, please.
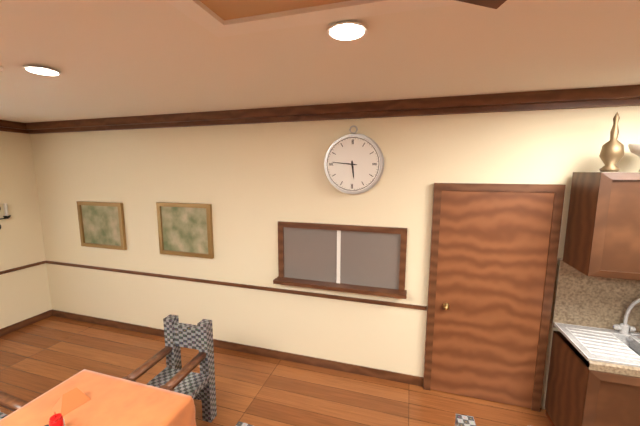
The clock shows 5:46
